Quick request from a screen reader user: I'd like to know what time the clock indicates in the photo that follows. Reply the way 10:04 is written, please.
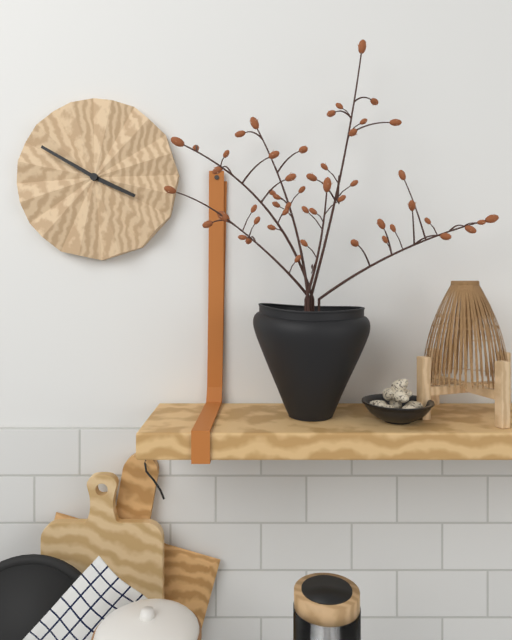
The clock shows 3:50
